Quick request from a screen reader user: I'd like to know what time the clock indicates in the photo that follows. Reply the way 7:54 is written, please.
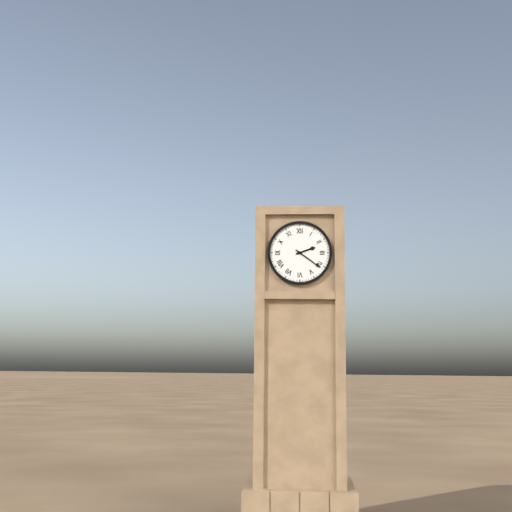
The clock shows 2:21
